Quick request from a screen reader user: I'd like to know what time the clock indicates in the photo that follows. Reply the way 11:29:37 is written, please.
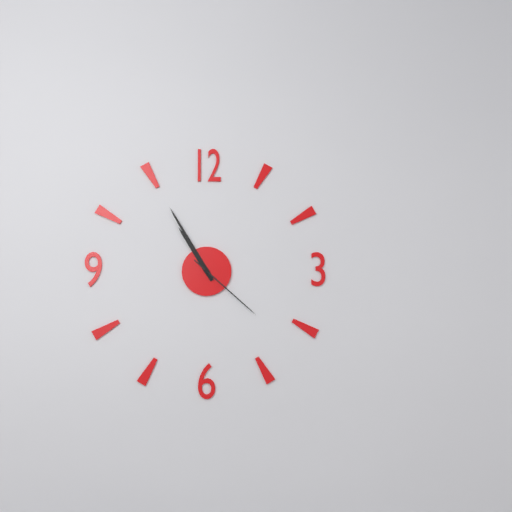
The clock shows 10:55:22
